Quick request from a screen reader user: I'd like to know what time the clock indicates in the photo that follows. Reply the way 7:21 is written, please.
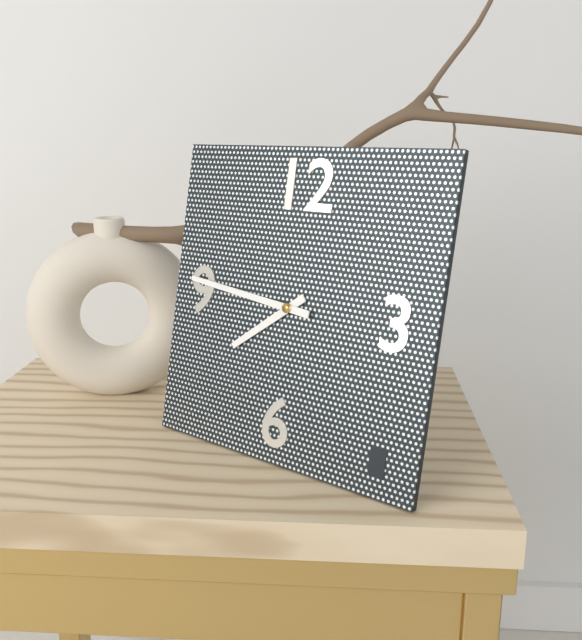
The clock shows 7:46
